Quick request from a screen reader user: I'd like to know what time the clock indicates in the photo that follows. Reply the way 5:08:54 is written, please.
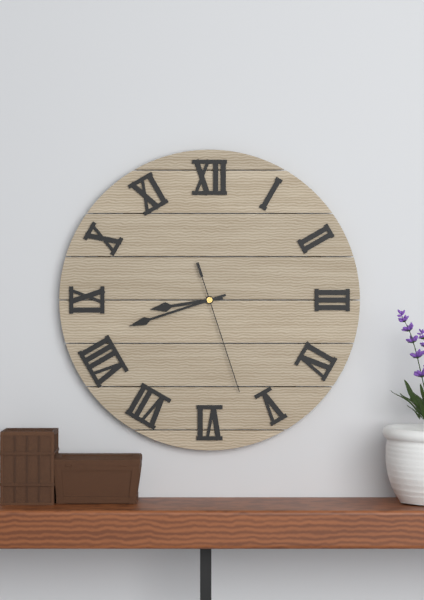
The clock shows 8:42:27
